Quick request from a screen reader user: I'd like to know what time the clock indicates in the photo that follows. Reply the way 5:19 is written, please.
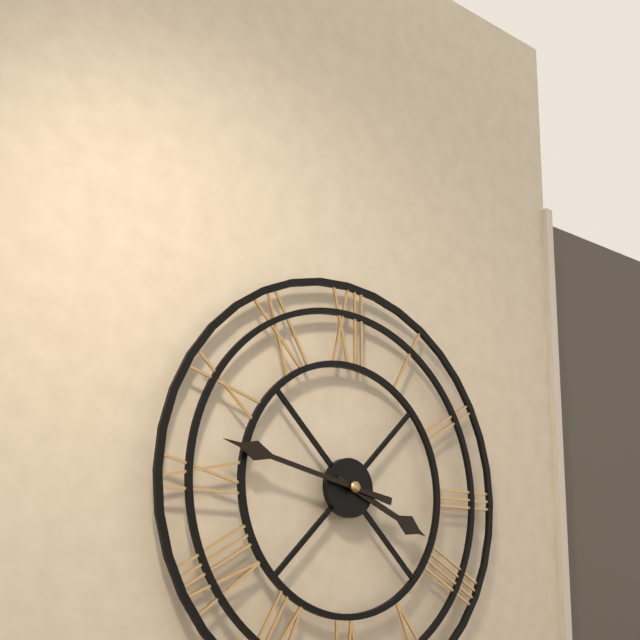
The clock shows 3:47
